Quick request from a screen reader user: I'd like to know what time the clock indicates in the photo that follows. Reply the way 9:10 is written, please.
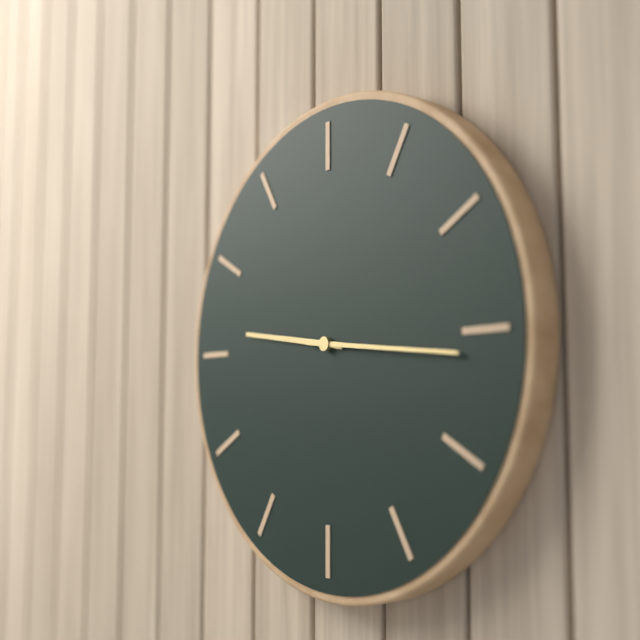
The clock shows 9:16
